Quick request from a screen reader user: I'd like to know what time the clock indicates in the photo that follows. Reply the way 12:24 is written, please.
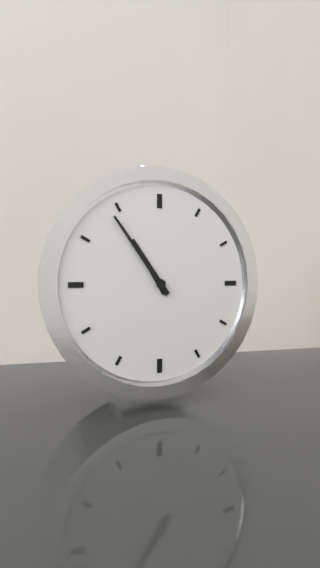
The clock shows 10:54
